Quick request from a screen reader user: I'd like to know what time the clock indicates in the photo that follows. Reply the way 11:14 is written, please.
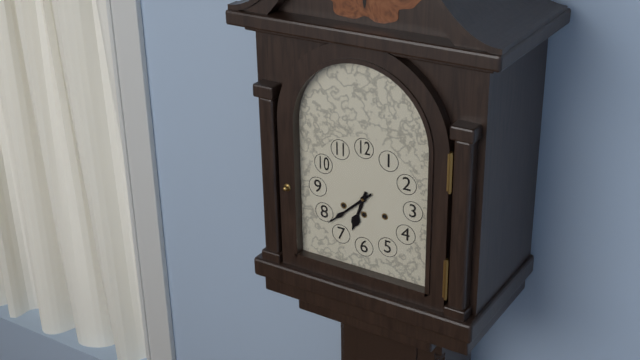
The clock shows 6:38
